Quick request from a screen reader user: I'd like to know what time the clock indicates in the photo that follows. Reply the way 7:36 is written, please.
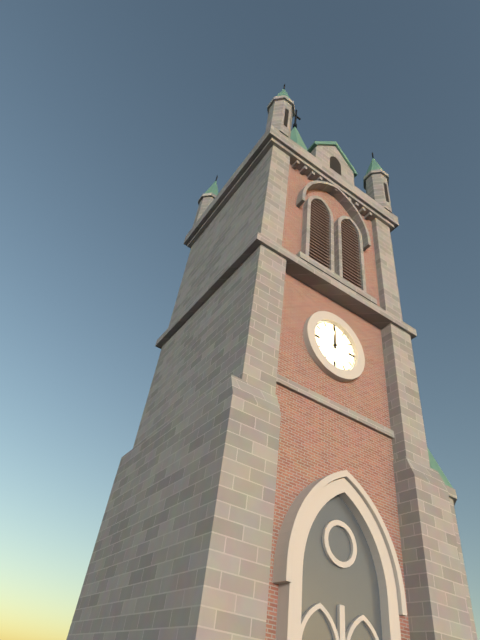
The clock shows 12:00
